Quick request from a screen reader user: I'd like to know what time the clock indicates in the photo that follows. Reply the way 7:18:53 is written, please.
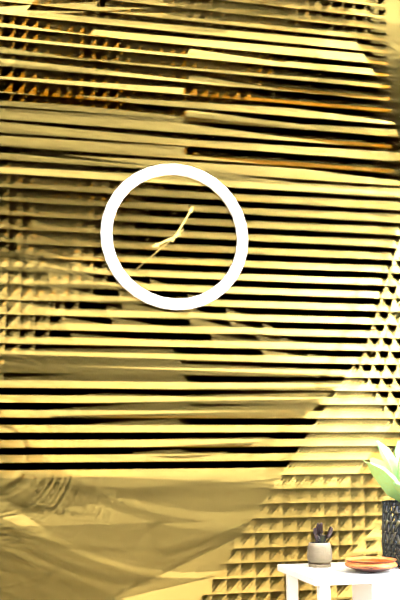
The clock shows 8:05:38
